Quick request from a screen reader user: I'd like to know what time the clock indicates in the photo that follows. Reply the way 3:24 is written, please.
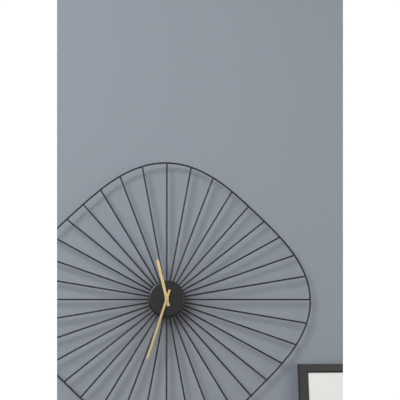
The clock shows 11:33
